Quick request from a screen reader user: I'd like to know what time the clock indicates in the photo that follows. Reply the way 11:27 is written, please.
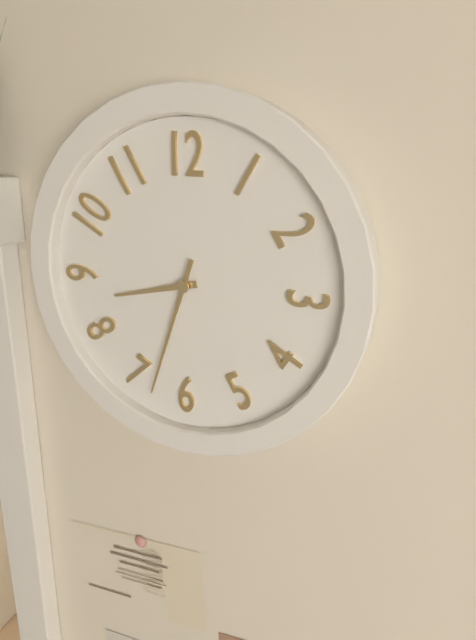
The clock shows 8:33
